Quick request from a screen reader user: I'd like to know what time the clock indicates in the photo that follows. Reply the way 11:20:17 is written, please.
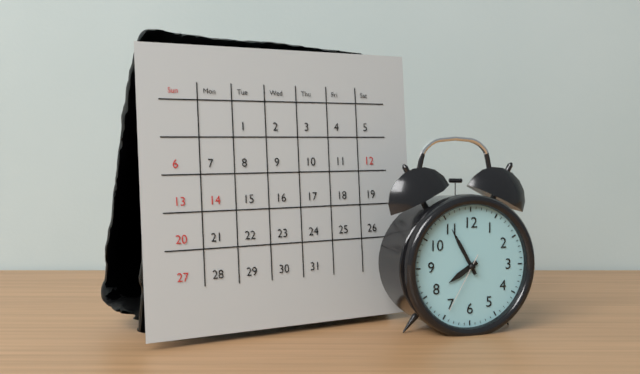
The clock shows 7:55:35
